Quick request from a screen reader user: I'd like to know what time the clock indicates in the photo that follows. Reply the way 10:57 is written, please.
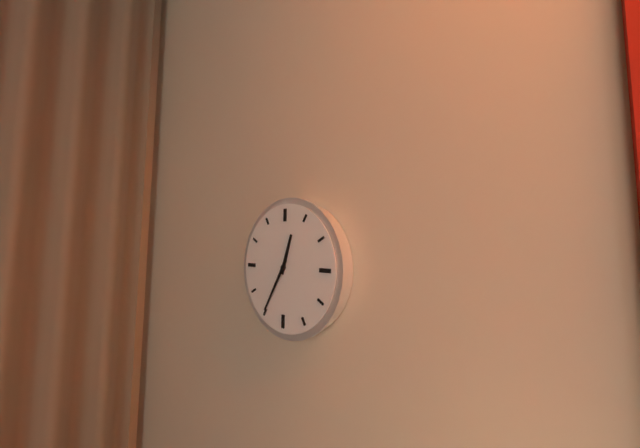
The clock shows 12:35
